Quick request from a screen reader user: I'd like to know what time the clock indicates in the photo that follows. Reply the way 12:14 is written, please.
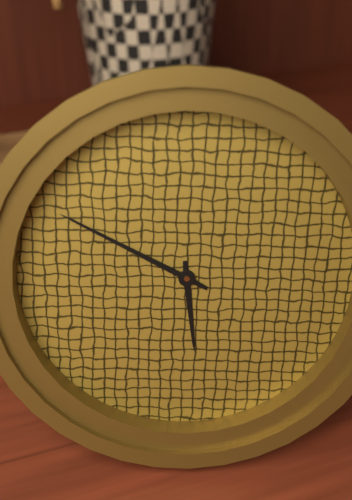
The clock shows 5:50
